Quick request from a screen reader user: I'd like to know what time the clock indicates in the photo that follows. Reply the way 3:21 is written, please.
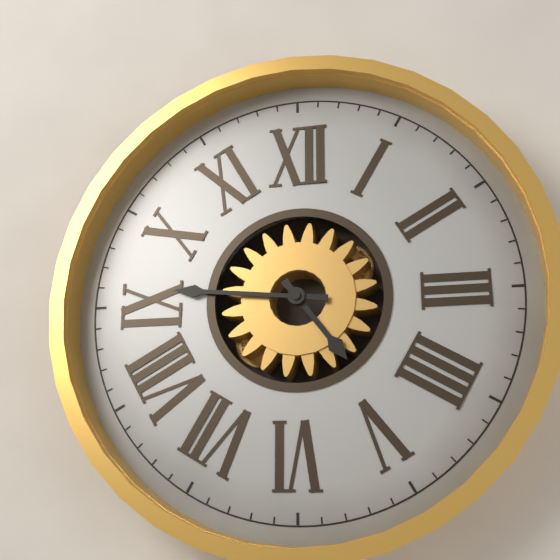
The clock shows 4:46
